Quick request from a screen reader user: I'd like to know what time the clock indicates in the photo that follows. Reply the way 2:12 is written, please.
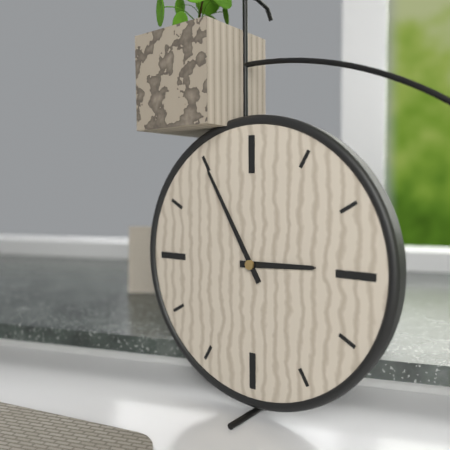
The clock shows 2:55
